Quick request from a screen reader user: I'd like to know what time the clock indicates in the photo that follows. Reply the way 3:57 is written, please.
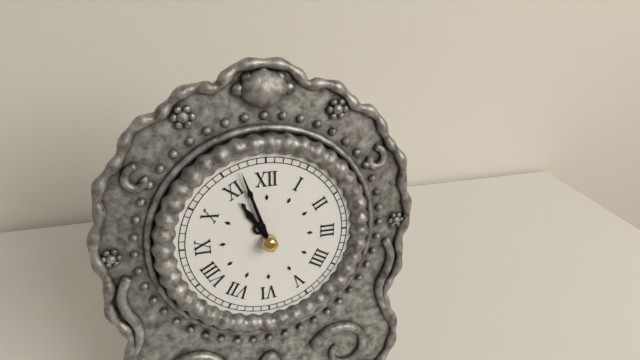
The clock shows 10:57
